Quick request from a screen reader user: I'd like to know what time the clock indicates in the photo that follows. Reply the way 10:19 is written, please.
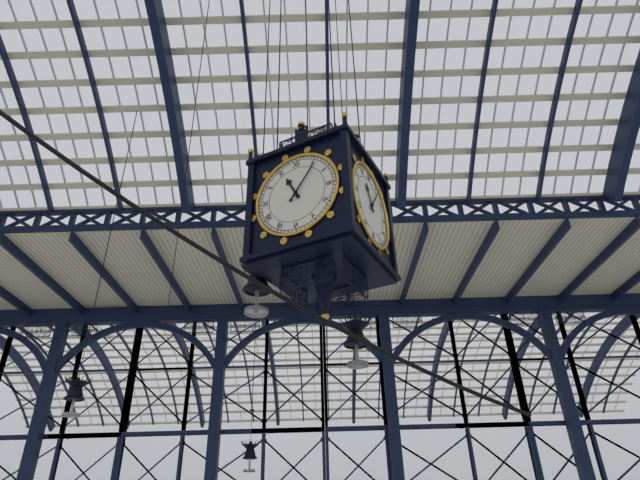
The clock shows 11:06
